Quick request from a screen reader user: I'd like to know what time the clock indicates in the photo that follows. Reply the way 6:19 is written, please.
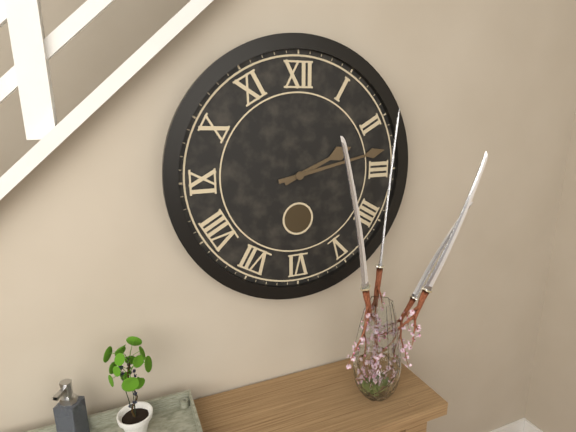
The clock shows 2:13
